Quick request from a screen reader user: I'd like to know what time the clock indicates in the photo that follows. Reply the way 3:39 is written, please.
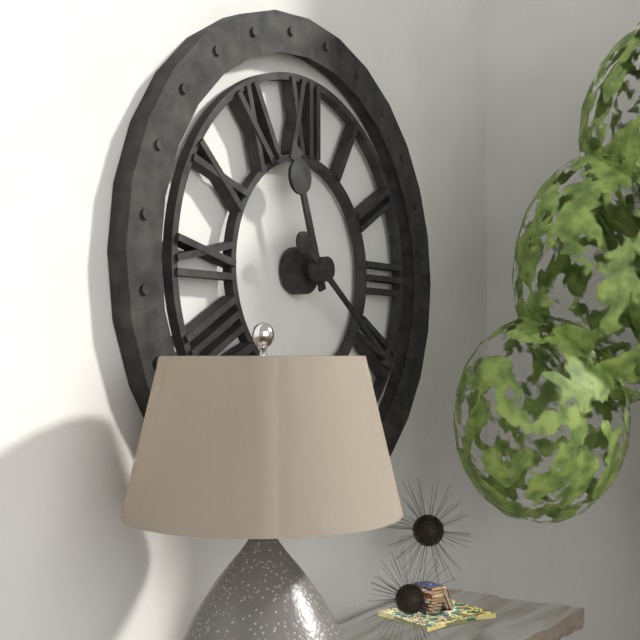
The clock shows 11:21
